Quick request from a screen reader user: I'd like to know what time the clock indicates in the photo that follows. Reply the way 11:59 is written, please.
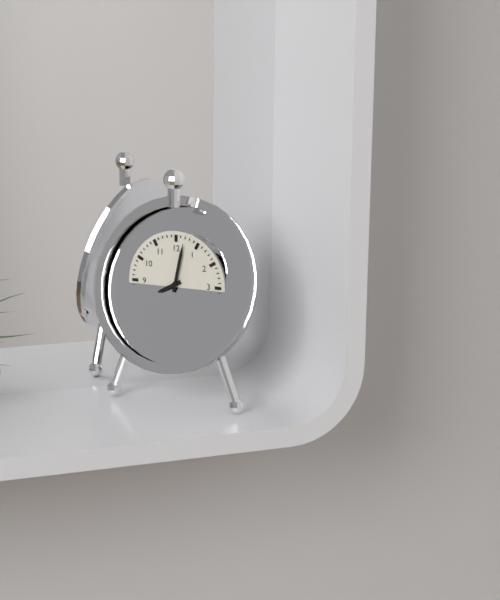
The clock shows 8:02
